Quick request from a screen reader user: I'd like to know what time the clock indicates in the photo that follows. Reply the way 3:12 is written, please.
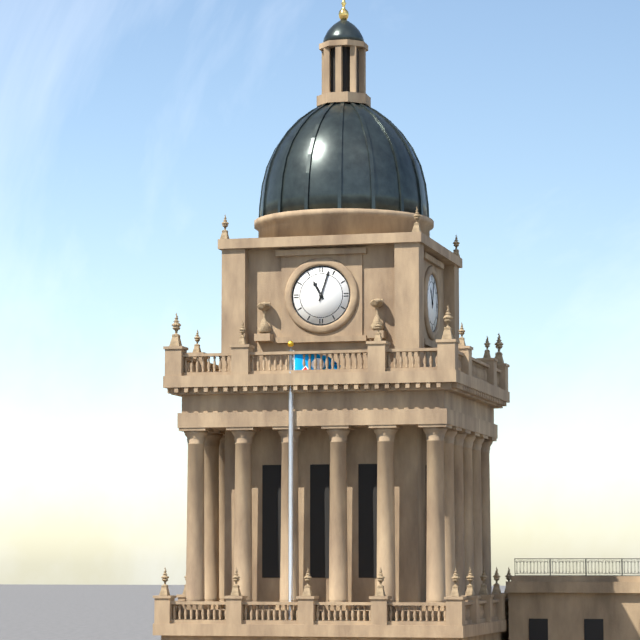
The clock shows 11:03
